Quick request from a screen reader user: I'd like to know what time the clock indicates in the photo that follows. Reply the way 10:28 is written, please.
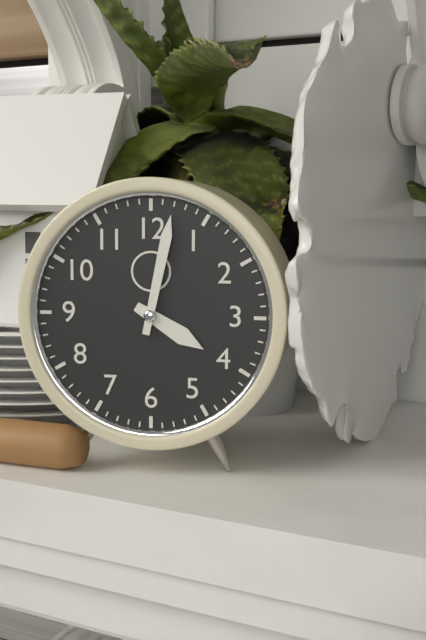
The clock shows 4:02
